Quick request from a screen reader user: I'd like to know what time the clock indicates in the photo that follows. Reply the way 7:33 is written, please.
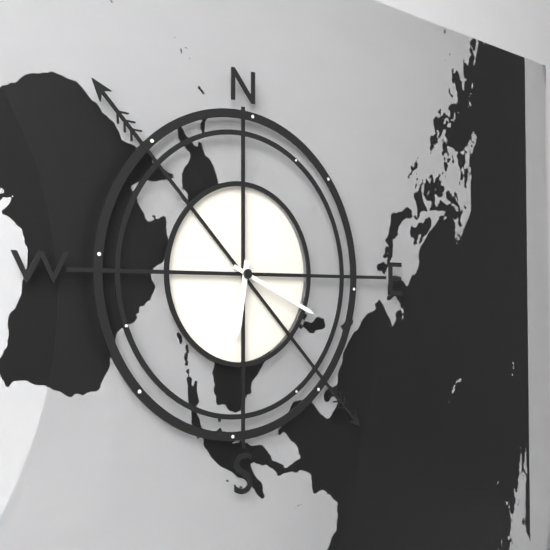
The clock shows 6:19
